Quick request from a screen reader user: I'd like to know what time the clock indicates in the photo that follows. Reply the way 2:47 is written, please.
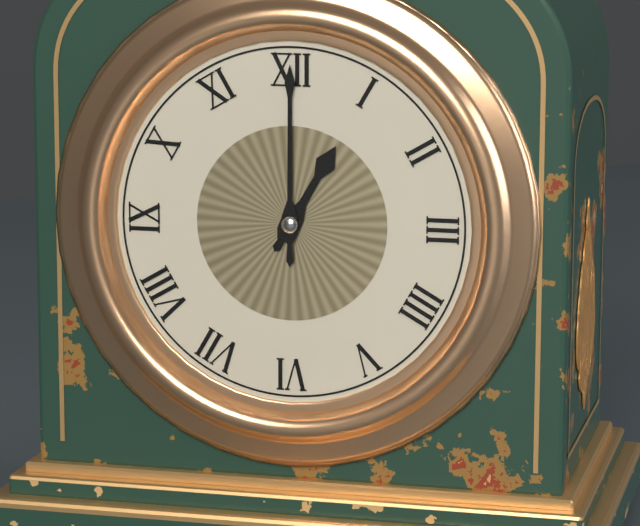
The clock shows 1:00
